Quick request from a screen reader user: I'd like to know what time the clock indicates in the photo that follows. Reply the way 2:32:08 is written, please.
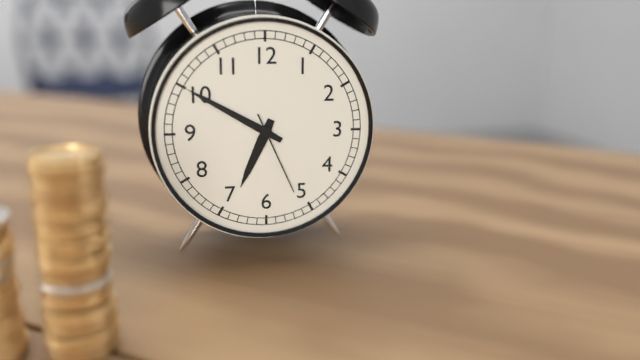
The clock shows 6:50:26
